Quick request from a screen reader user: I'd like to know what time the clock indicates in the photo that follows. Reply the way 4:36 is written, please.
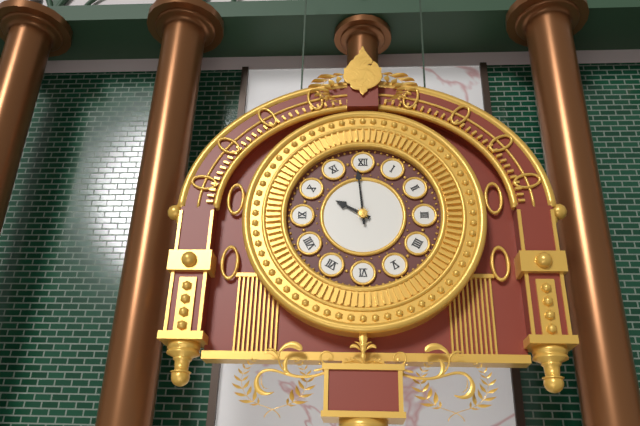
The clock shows 9:59
